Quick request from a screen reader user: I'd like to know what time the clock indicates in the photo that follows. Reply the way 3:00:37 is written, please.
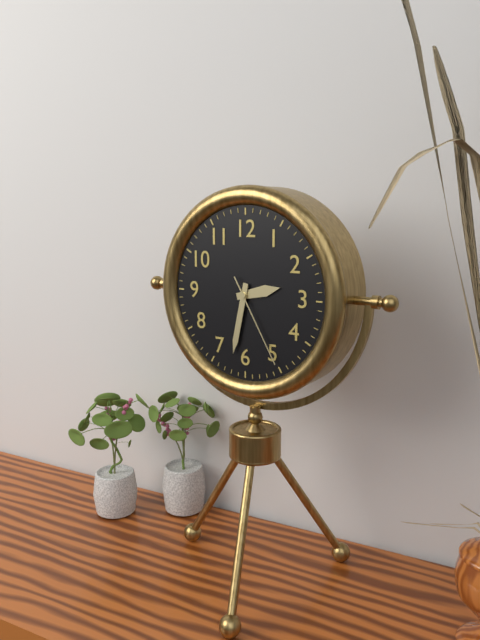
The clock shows 2:32:25
